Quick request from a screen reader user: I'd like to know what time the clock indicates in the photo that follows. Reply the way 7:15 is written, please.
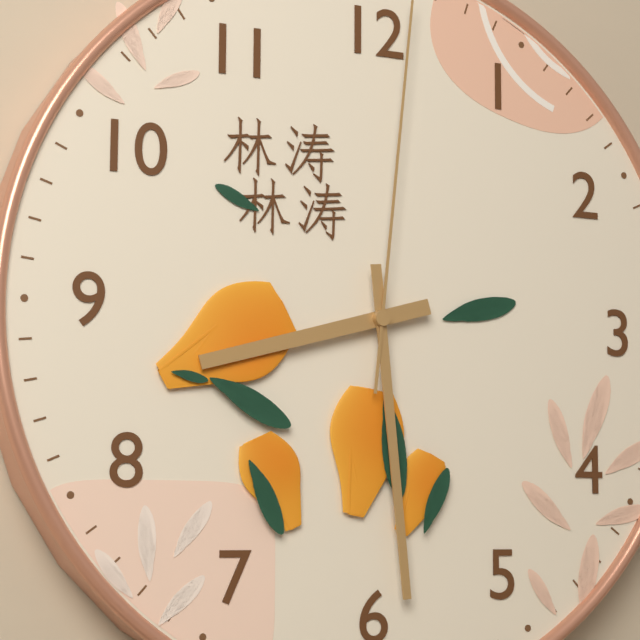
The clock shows 8:29
